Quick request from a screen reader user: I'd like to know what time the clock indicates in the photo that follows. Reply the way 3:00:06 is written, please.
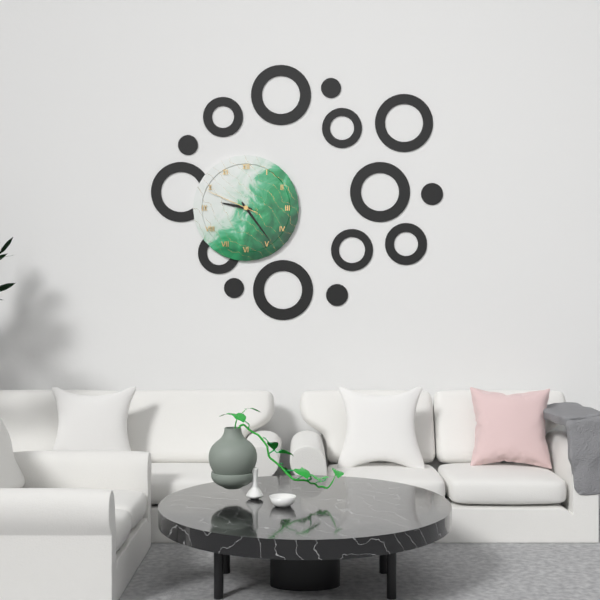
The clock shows 9:24:49
